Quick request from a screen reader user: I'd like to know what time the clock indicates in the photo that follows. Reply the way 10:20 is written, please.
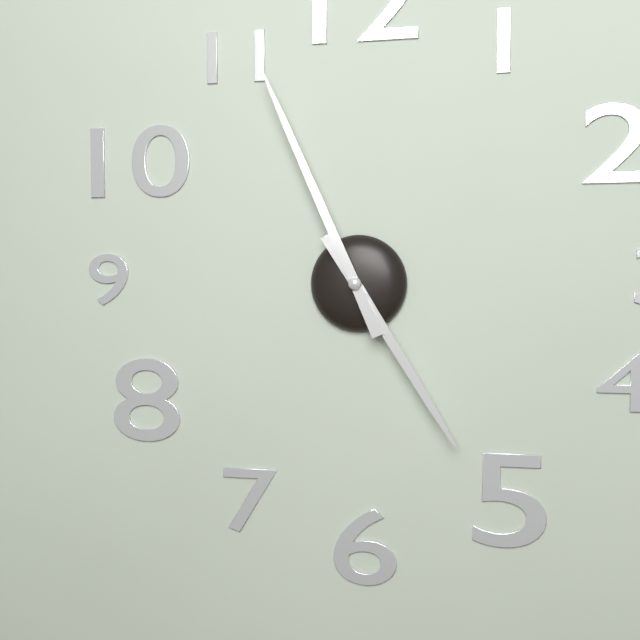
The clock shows 4:56
